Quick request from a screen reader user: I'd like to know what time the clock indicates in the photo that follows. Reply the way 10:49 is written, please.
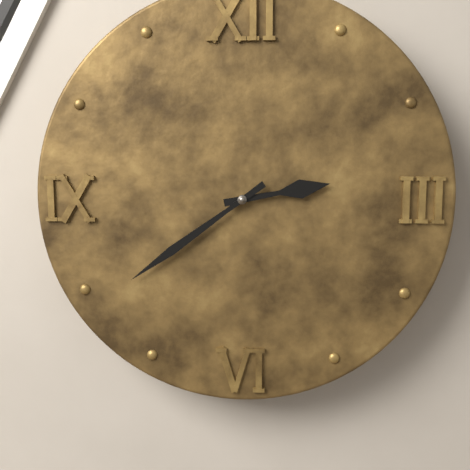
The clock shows 2:39
